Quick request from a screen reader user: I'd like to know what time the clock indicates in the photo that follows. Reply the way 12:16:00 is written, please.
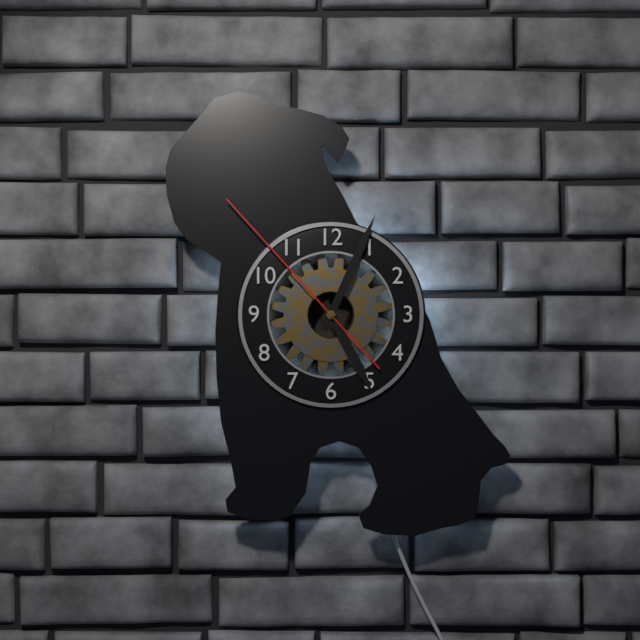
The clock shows 5:04:53
